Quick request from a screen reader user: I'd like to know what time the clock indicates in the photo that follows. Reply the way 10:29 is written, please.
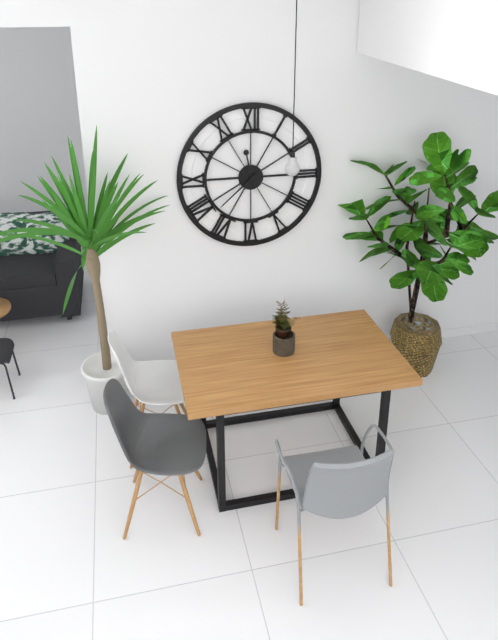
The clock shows 11:38
